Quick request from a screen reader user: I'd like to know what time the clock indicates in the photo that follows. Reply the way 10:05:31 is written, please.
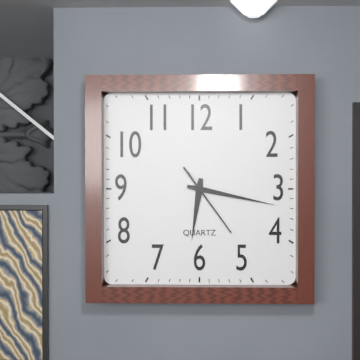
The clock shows 6:17:24
